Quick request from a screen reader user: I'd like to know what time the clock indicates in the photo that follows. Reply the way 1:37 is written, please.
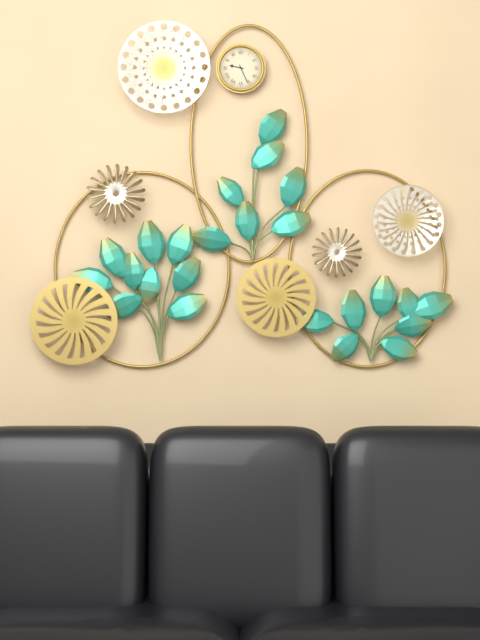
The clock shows 9:26
